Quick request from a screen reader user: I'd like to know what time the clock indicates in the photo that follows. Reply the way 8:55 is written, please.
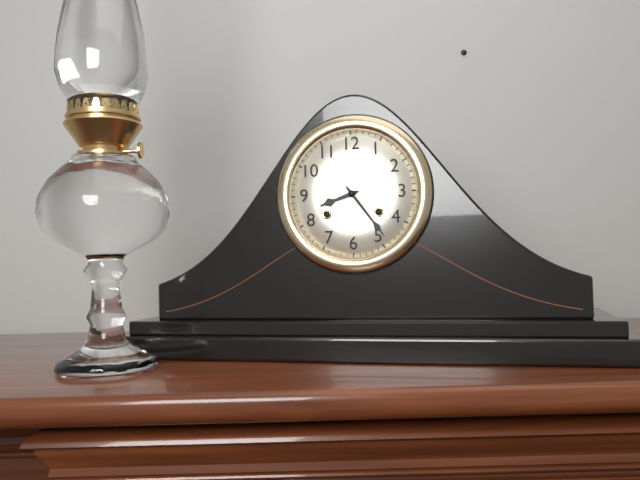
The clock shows 8:24
